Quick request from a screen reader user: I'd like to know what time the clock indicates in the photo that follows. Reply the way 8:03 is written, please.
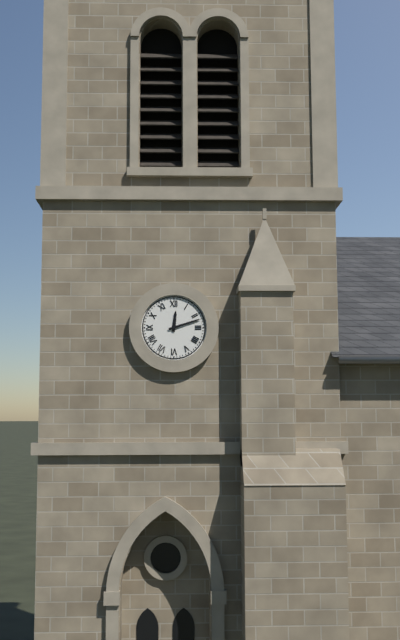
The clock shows 12:12
